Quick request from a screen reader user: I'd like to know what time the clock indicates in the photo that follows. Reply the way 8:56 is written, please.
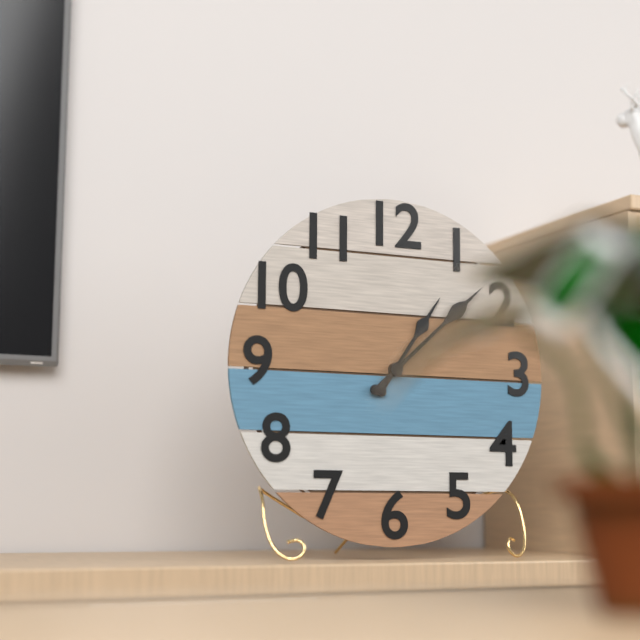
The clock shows 1:08
